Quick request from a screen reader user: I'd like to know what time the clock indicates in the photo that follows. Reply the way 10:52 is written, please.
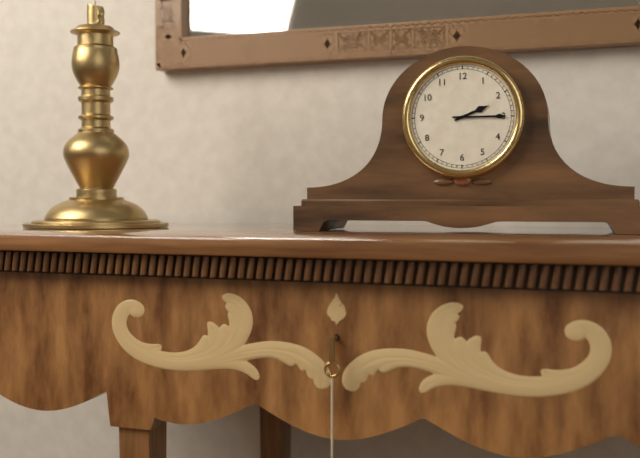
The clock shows 2:15
